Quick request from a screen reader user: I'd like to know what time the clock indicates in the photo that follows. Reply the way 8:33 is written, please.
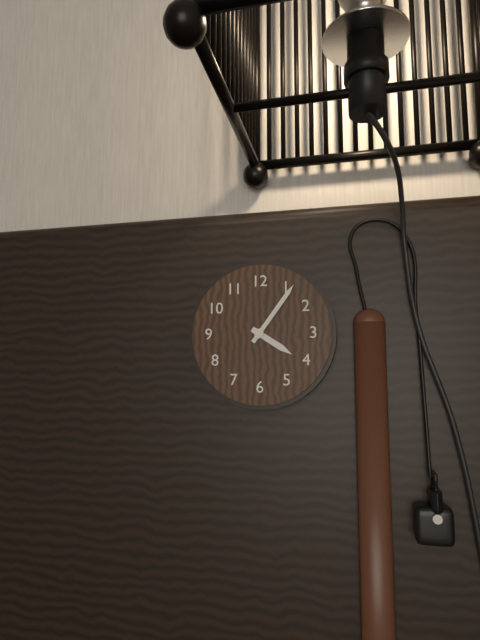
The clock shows 4:06
